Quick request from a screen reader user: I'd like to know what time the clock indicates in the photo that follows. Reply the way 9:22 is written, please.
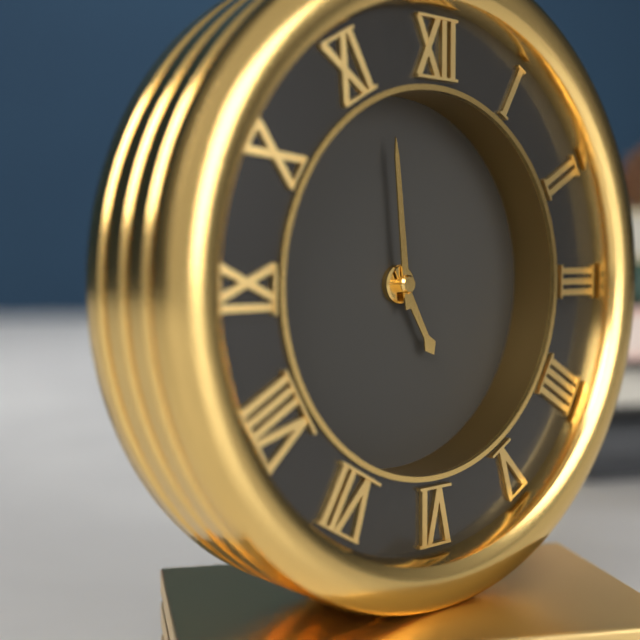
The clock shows 4:59
